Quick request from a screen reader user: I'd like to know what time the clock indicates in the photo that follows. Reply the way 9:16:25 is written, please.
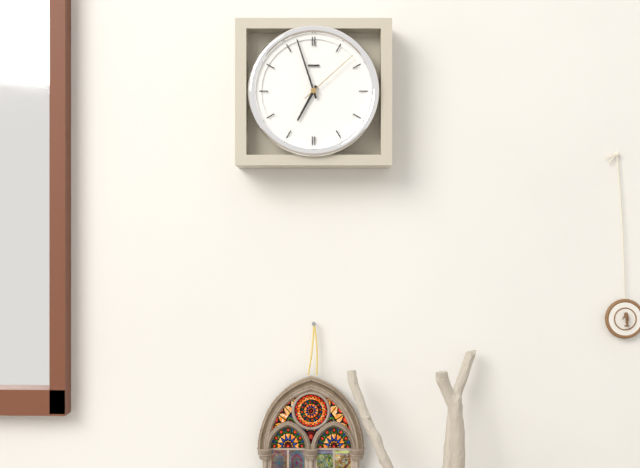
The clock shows 6:57:08
